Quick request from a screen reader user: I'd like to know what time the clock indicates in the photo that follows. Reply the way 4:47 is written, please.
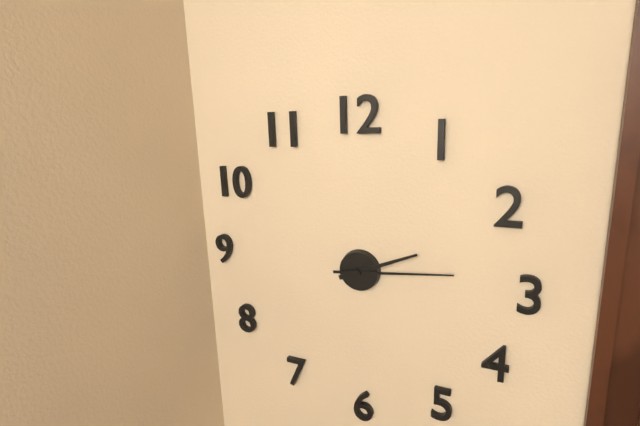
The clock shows 2:14
